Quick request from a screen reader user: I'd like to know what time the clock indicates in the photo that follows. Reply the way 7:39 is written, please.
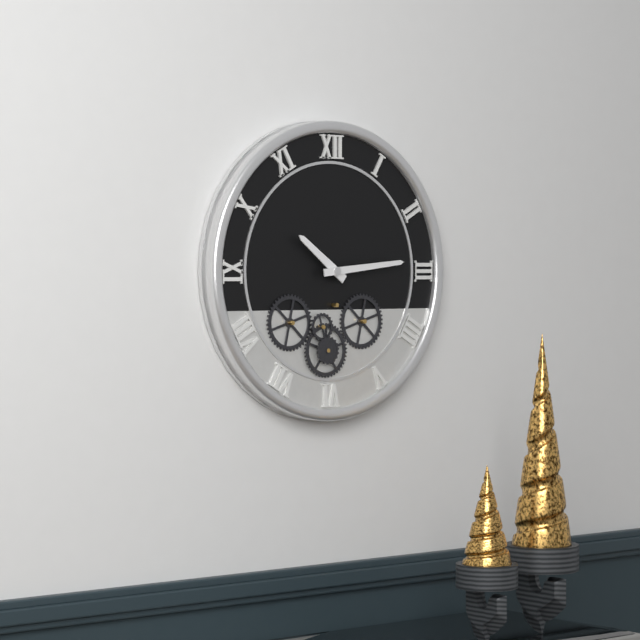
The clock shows 10:14
